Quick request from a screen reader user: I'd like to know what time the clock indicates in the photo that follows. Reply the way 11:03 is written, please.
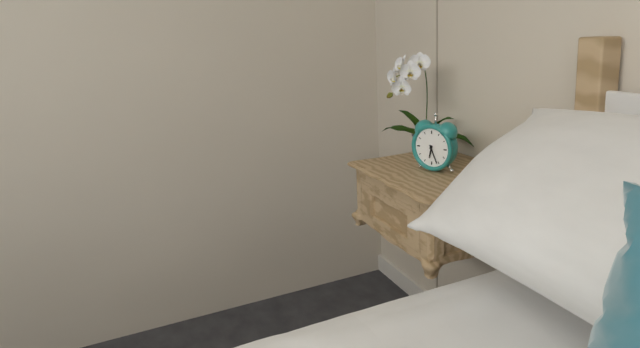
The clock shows 6:26
